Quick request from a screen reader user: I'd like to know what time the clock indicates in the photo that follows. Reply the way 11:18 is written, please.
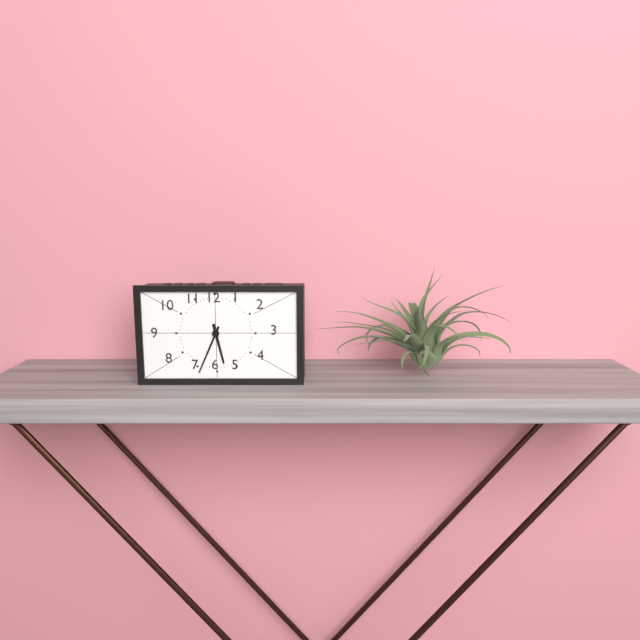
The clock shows 5:34
